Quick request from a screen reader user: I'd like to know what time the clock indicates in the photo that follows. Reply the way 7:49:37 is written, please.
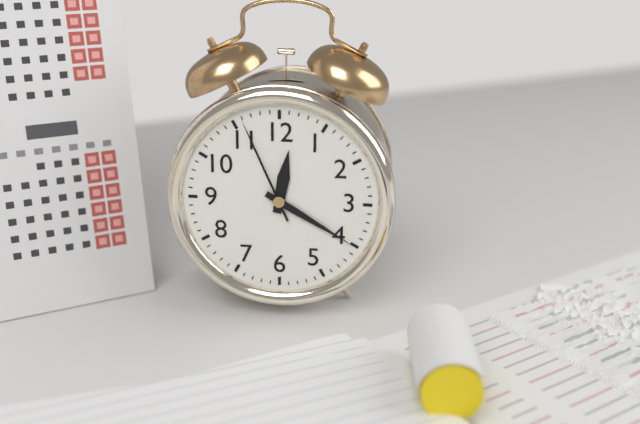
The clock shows 12:20:56
